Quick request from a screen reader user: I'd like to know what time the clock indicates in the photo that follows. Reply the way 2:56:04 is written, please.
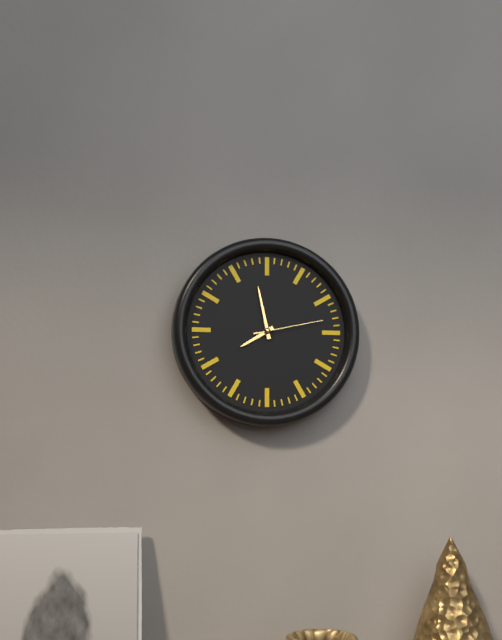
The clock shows 7:58:13
